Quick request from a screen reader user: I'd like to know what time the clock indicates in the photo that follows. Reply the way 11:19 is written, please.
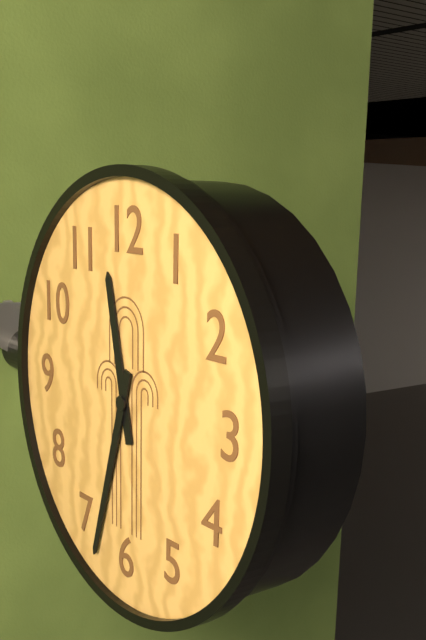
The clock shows 11:33
